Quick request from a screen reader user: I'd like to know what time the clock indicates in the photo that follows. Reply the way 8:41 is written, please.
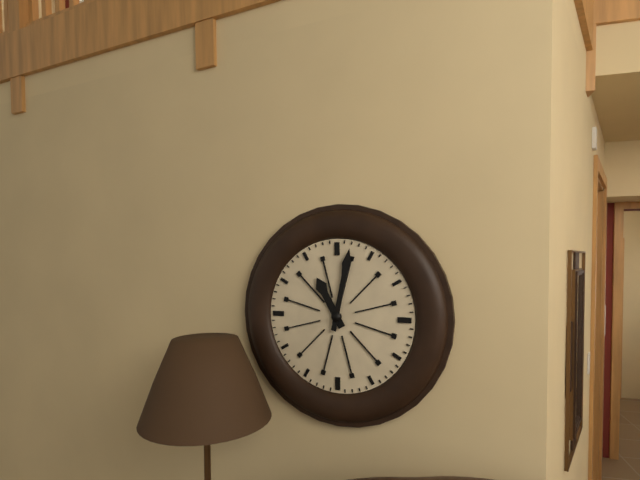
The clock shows 11:02
